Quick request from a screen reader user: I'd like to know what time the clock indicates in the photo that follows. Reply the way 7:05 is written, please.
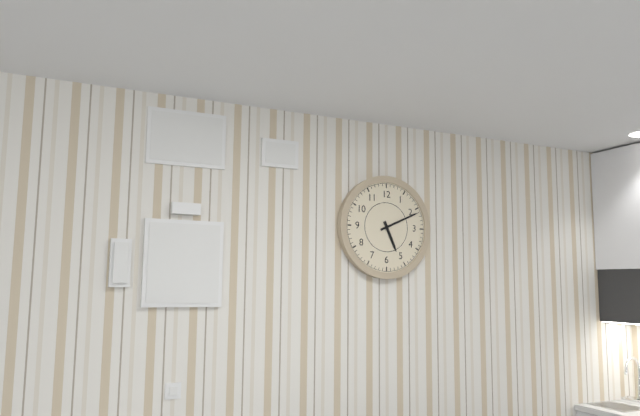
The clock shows 5:11
